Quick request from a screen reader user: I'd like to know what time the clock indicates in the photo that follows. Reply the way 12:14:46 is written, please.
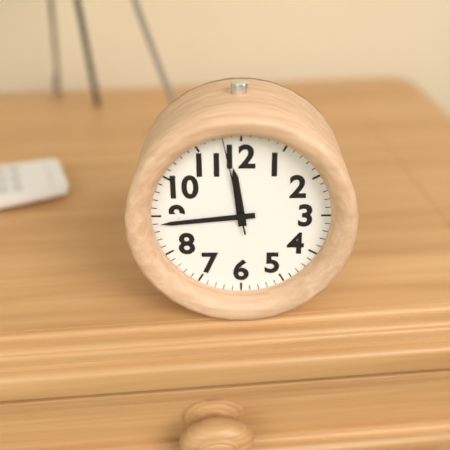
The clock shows 11:44:58
